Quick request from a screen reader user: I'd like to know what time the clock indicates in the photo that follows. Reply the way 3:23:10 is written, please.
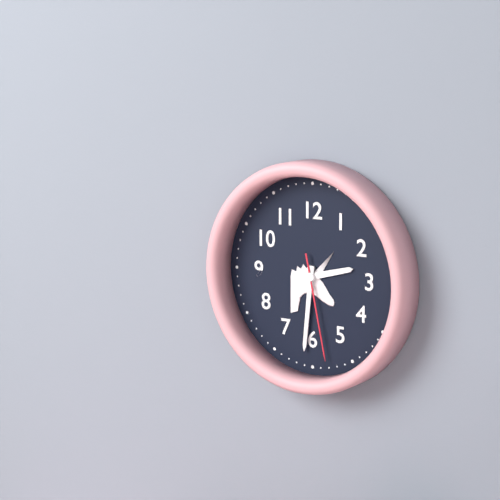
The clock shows 2:31:28
